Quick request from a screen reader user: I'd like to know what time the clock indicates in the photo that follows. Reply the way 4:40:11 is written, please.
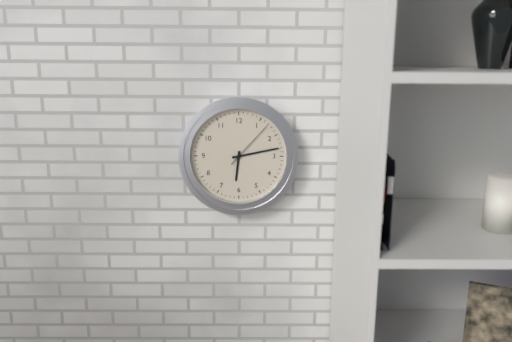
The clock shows 6:13:07
